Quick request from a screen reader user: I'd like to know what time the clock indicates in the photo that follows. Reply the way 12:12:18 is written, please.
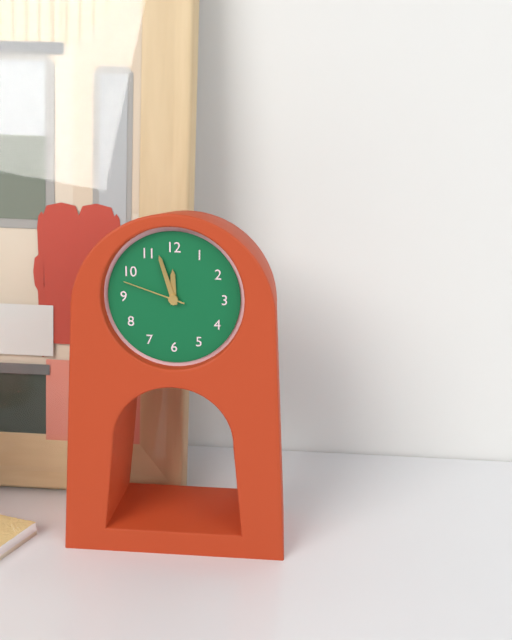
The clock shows 11:57:48
